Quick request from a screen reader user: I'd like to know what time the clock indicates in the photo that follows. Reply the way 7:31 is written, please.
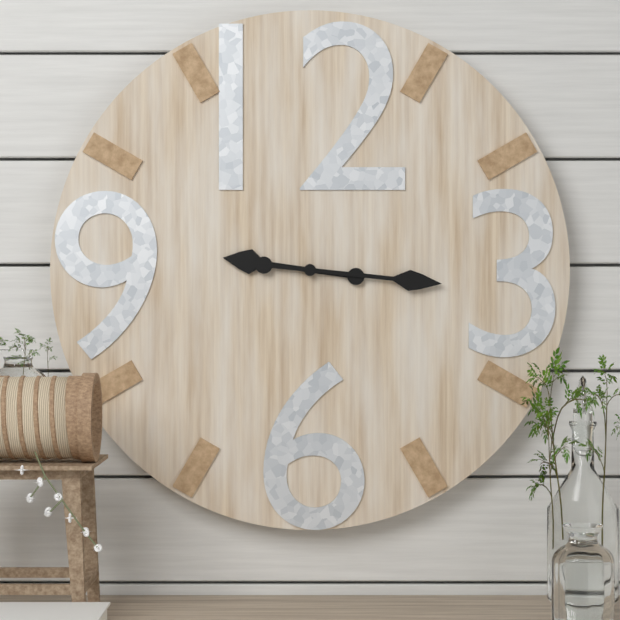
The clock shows 9:16
